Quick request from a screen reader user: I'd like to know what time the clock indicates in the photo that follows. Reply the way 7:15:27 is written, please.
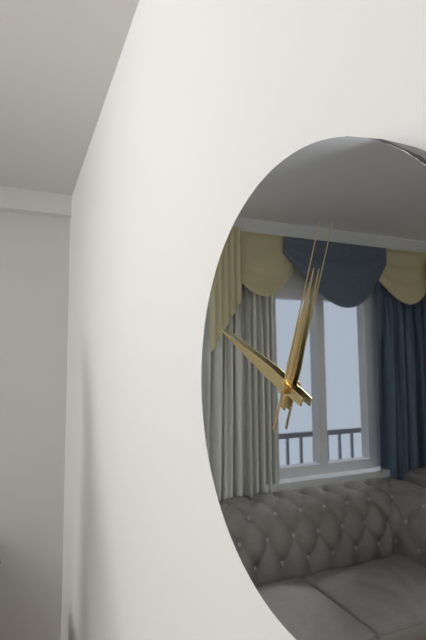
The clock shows 12:49:04
